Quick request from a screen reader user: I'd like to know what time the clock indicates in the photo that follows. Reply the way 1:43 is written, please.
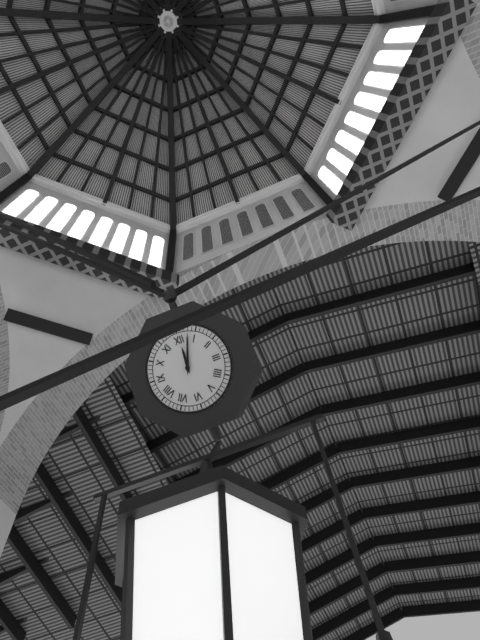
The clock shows 12:03
